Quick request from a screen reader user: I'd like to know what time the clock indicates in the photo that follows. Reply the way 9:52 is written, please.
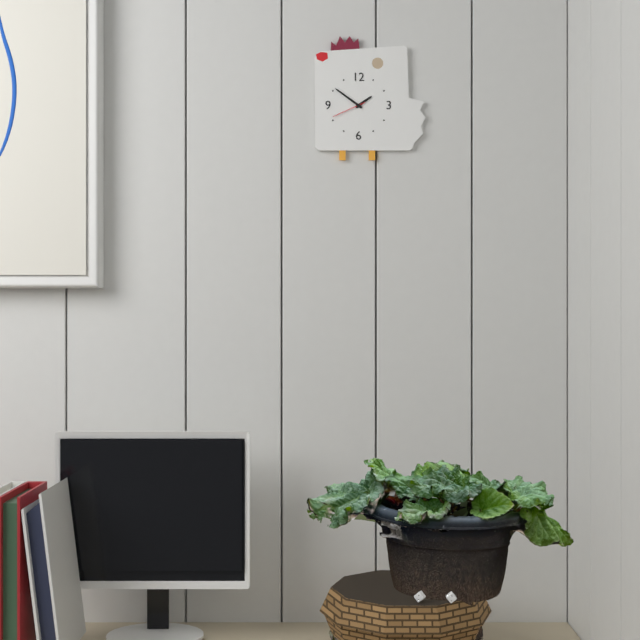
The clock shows 1:51
